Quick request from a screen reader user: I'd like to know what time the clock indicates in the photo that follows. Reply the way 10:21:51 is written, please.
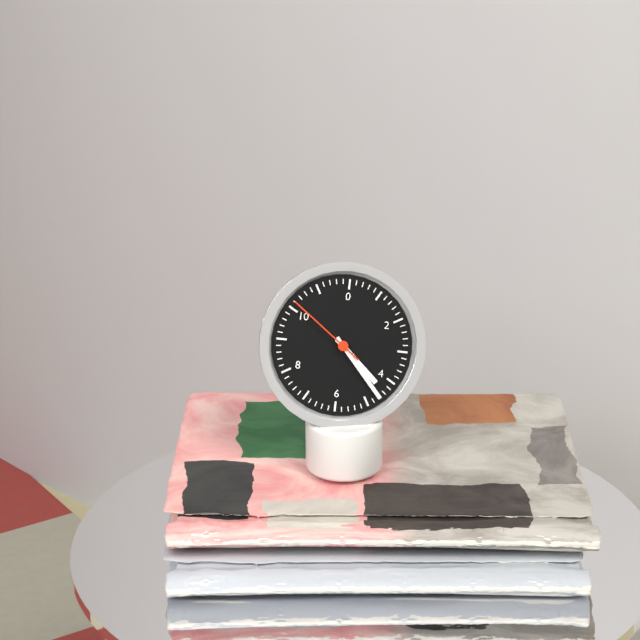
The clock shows 4:23:51
